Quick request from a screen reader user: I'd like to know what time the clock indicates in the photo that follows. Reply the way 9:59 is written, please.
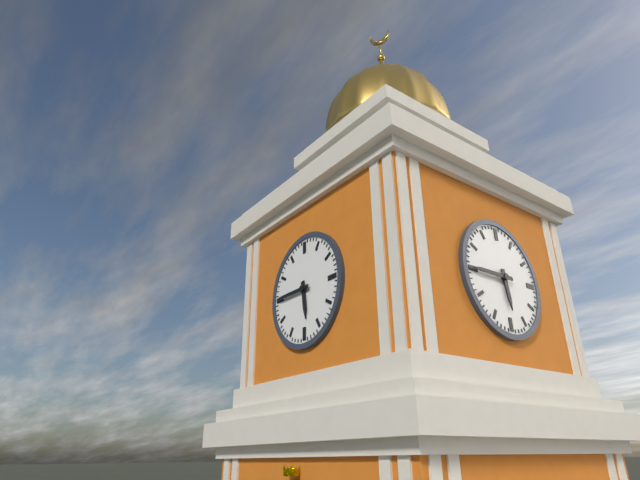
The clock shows 5:45
